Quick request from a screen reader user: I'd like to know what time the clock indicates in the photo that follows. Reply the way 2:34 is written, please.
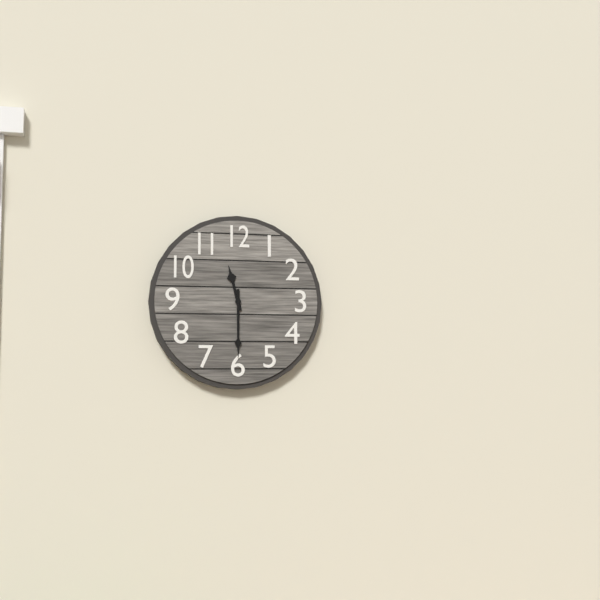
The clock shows 11:30
